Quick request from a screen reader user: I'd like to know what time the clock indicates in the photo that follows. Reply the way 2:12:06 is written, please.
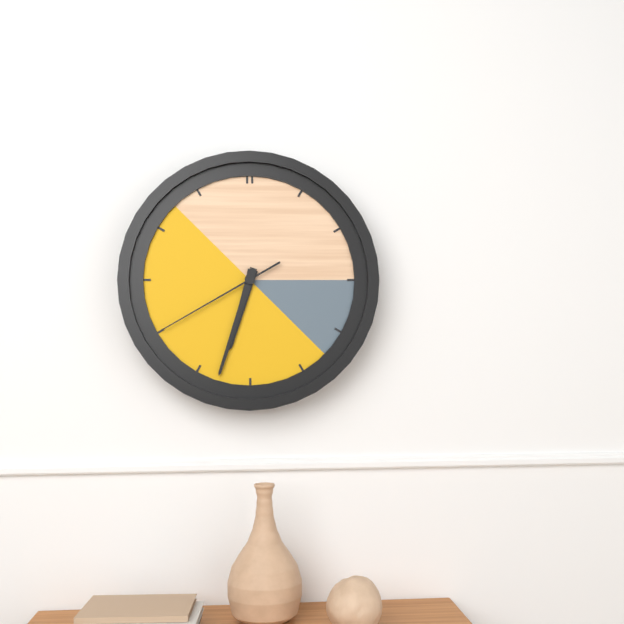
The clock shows 6:33:40
